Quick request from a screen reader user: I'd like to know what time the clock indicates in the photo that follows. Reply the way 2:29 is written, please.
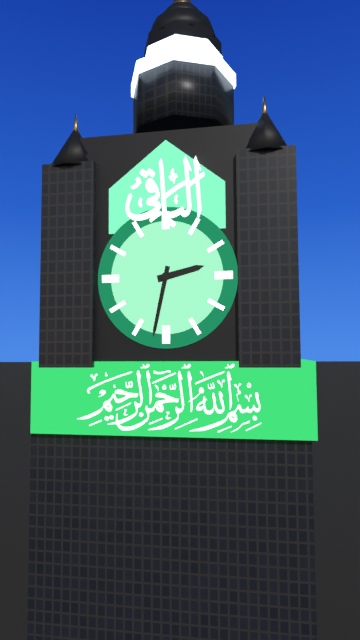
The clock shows 2:32
